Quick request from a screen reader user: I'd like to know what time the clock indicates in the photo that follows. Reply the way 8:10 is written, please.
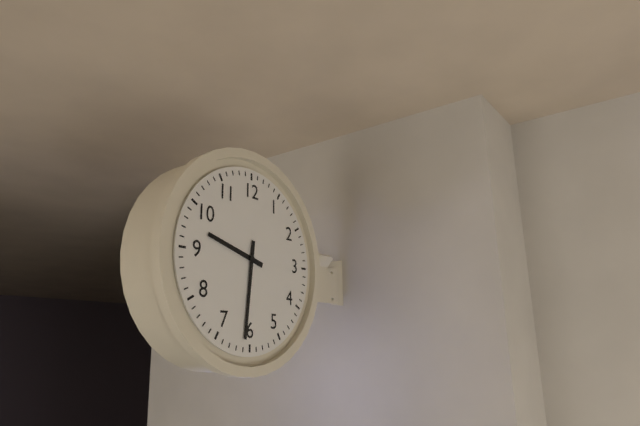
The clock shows 9:31
